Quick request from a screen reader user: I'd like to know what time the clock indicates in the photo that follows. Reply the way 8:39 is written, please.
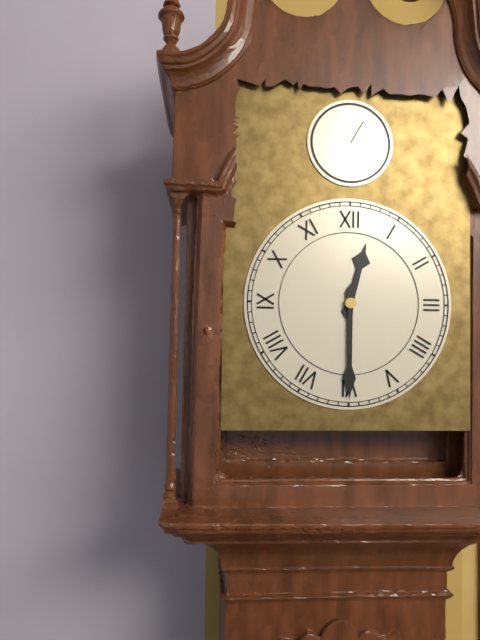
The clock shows 12:30
